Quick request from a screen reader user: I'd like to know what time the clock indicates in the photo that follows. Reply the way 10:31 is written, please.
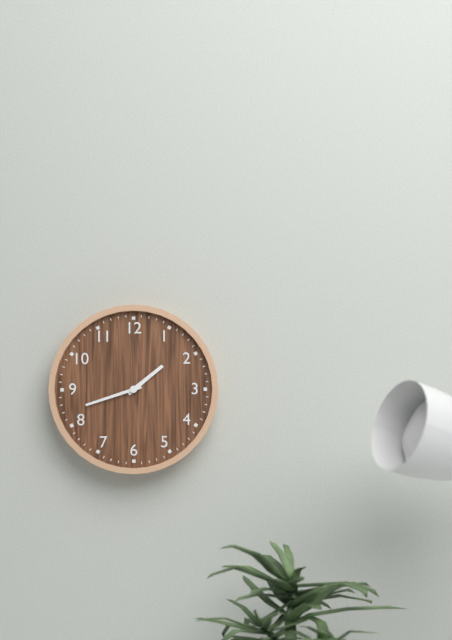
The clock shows 1:42
